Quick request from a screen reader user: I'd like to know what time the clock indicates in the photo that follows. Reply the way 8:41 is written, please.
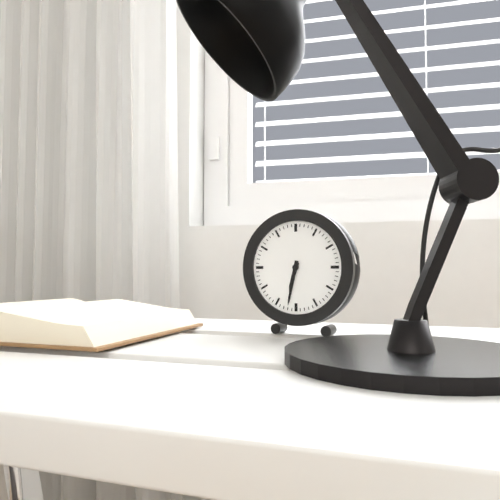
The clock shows 6:32
